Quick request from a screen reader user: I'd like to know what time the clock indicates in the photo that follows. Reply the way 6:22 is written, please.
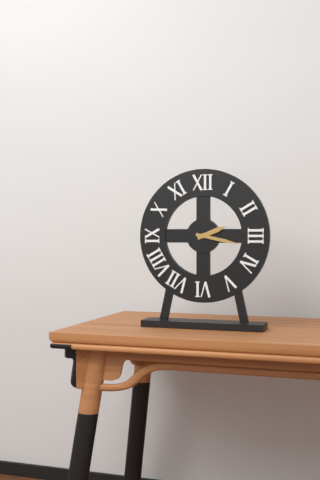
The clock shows 2:17
